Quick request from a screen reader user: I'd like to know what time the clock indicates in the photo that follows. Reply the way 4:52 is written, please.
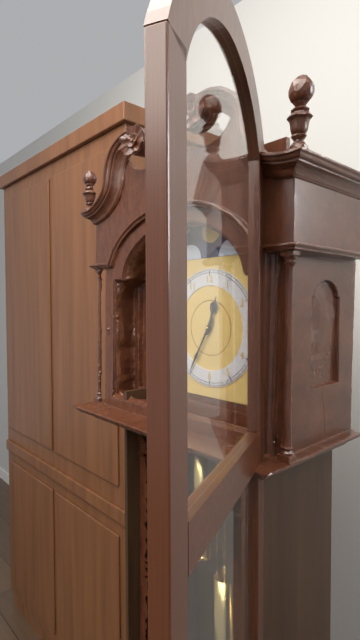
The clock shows 12:35
